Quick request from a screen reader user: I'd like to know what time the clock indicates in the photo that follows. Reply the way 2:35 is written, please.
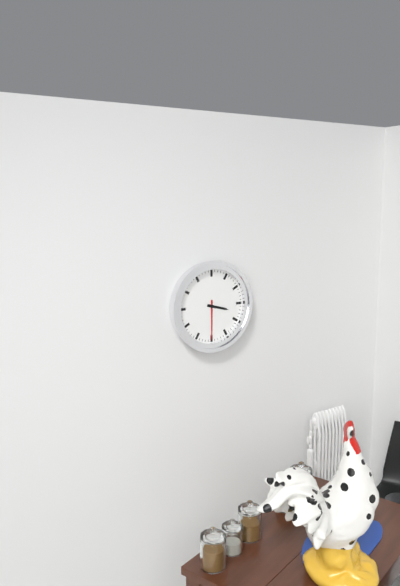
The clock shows 3:30
